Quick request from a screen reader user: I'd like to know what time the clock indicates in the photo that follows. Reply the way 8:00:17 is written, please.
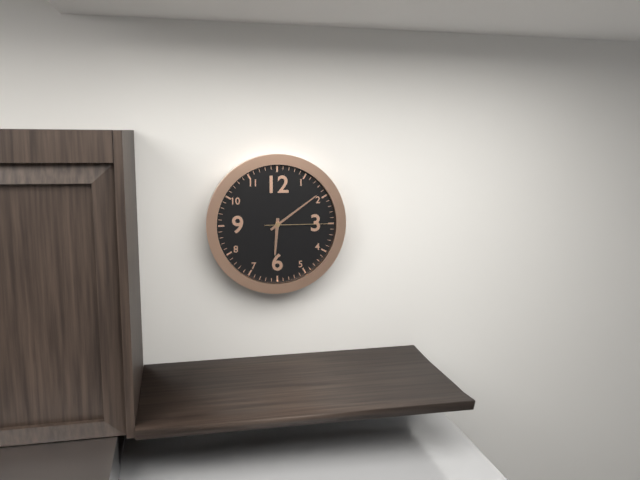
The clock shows 6:09:15
